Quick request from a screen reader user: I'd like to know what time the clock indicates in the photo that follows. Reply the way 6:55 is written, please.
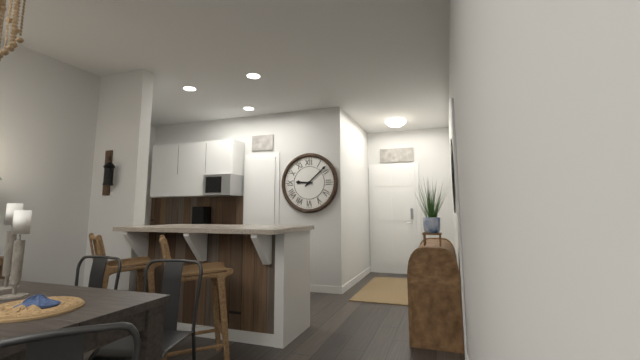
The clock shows 9:08
